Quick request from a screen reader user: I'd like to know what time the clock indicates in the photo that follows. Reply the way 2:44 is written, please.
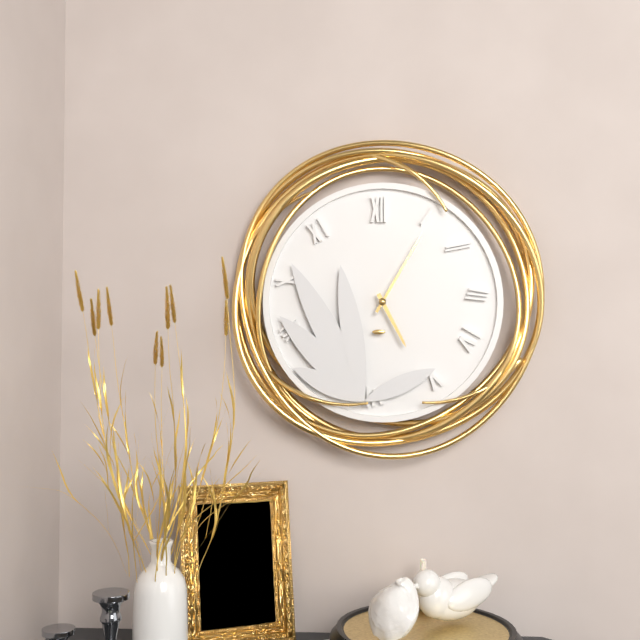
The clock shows 5:05
